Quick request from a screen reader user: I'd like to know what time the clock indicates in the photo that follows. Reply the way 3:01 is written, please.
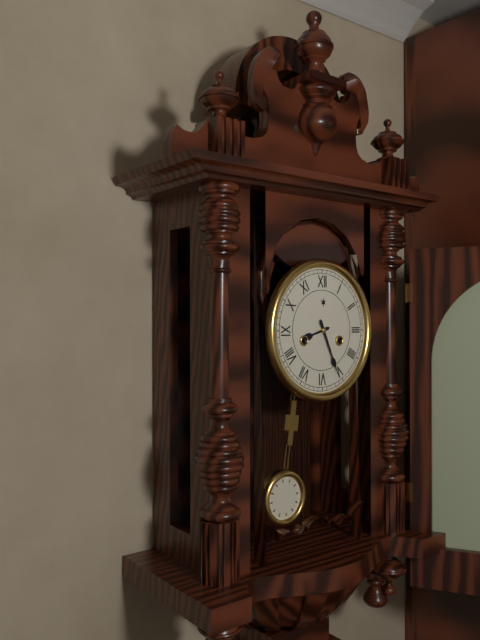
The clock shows 8:26
